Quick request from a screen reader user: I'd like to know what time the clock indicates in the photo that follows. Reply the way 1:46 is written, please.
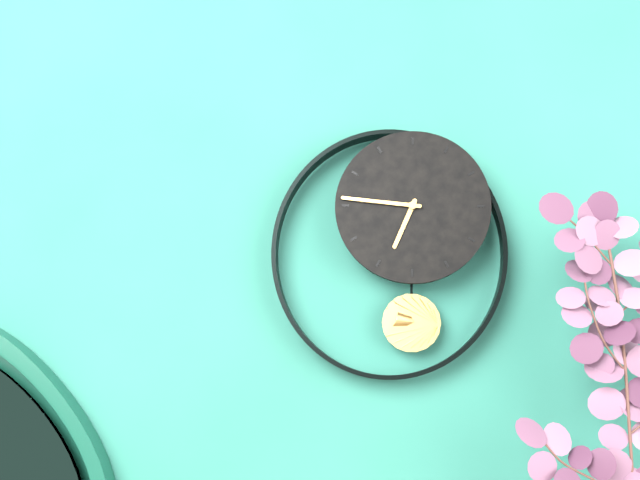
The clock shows 6:46
